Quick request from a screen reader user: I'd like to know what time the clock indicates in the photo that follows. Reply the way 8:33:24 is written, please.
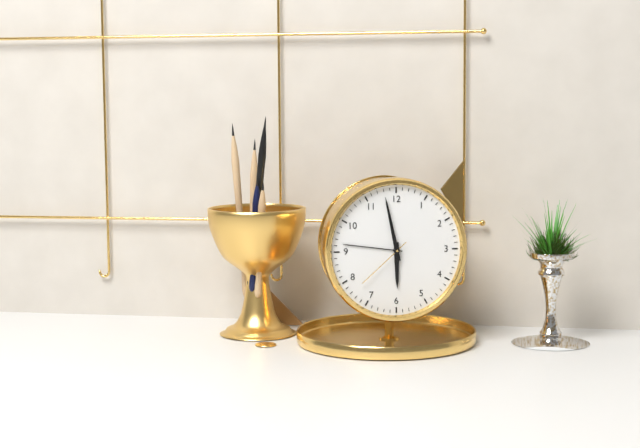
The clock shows 5:58:38
